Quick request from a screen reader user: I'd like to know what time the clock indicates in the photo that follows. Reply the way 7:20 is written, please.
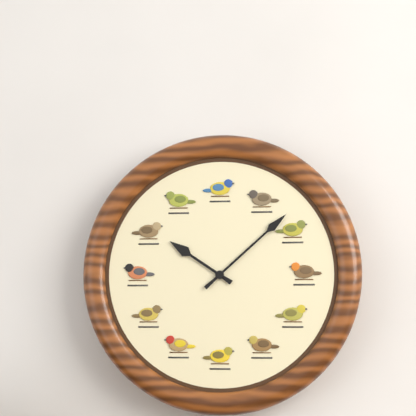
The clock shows 10:08
